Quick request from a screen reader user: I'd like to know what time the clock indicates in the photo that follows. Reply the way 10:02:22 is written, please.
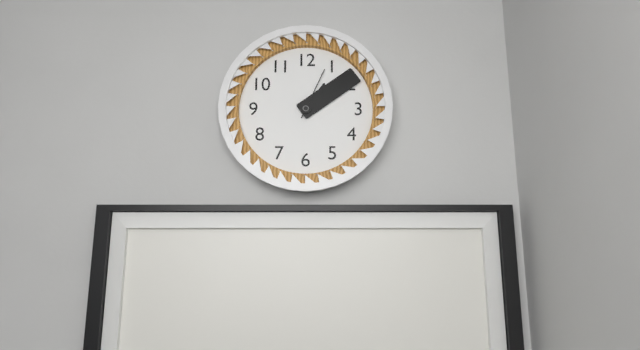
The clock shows 1:09:04
